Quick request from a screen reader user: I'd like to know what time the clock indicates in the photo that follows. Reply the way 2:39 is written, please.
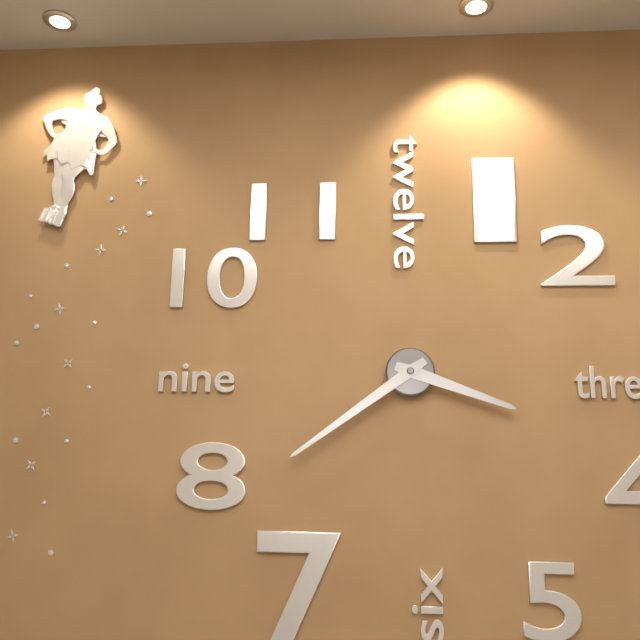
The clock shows 3:39
